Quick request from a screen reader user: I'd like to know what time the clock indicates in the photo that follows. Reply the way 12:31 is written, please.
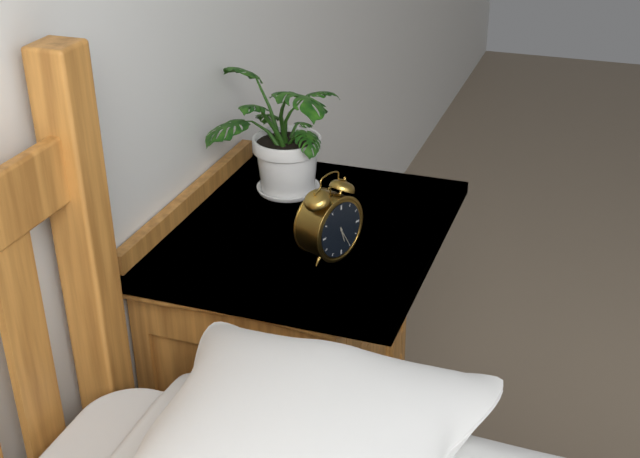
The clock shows 5:25
